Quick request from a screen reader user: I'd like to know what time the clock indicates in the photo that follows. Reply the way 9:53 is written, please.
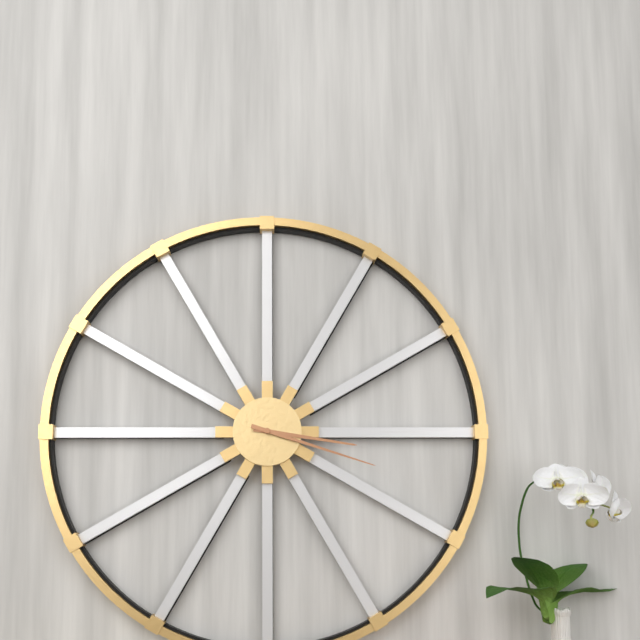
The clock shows 3:18
